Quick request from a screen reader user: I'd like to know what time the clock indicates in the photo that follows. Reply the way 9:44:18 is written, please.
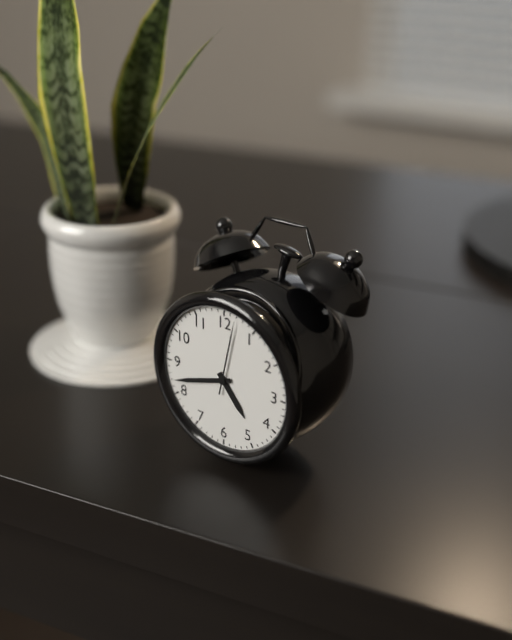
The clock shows 4:42:02
